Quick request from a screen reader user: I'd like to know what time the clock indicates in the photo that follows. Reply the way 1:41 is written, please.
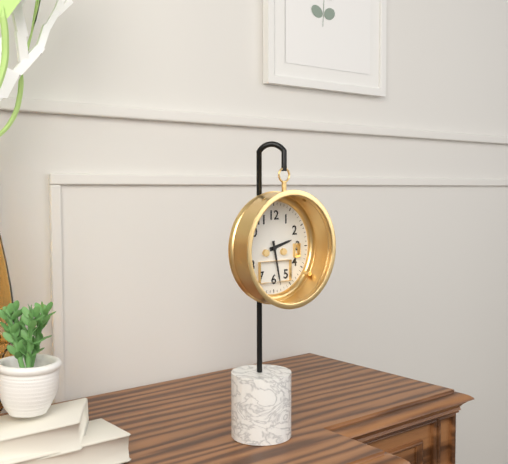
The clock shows 2:28
